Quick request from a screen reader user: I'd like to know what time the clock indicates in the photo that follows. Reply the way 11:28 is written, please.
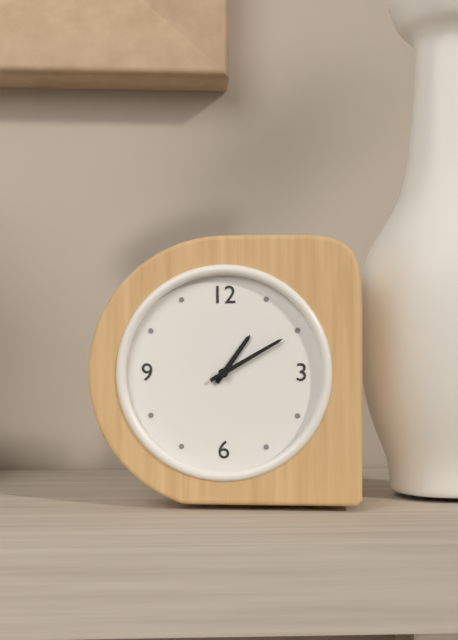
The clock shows 1:10
